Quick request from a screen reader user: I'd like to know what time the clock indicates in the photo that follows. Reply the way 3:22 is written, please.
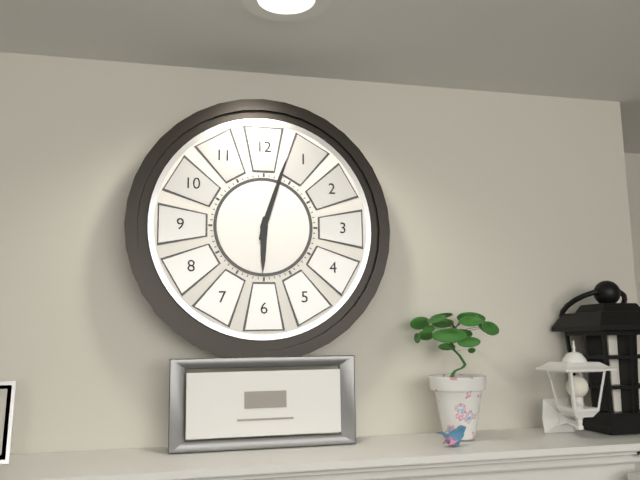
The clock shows 6:03
